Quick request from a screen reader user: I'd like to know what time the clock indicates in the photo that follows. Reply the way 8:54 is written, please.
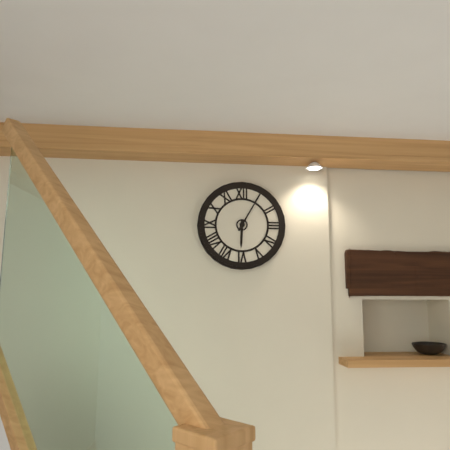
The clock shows 6:05
